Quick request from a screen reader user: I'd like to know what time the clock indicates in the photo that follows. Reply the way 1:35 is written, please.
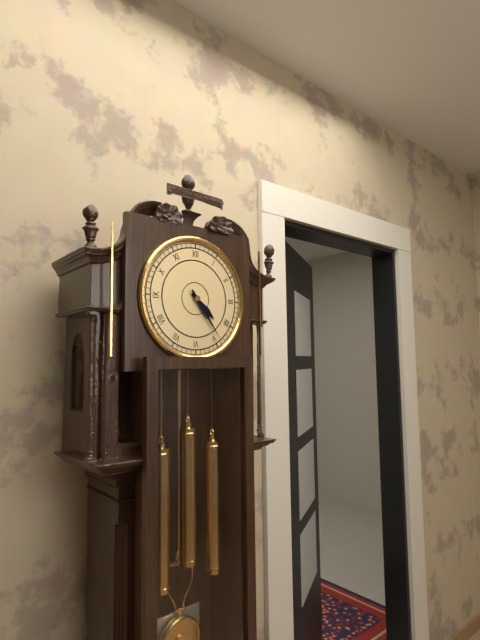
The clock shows 4:24
